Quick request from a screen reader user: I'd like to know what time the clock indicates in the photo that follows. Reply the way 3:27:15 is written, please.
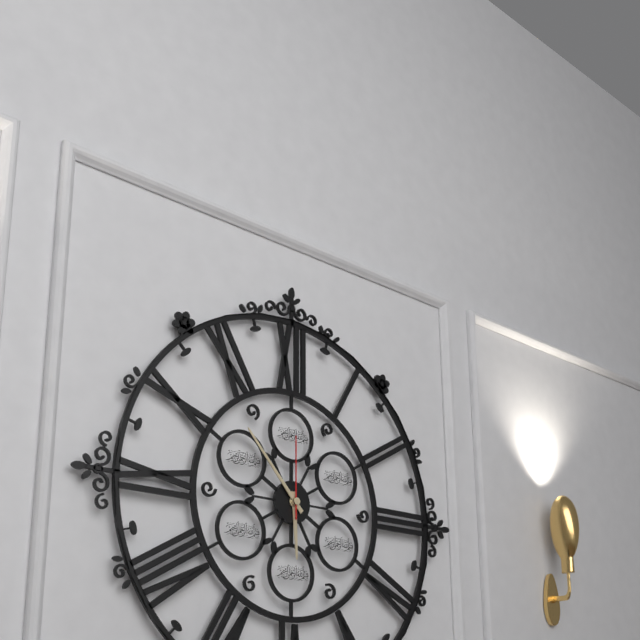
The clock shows 5:53:00
